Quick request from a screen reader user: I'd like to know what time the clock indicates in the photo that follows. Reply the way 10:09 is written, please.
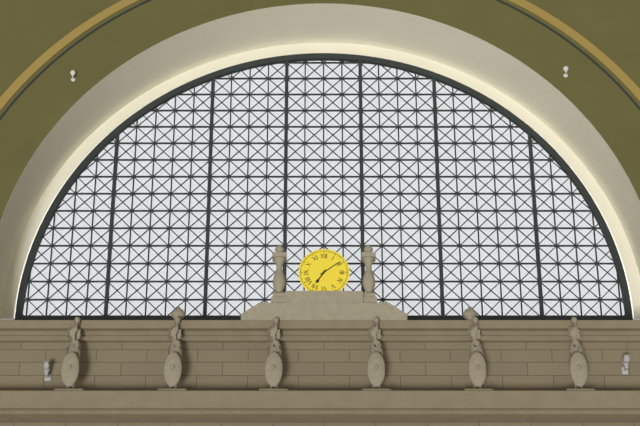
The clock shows 7:09
